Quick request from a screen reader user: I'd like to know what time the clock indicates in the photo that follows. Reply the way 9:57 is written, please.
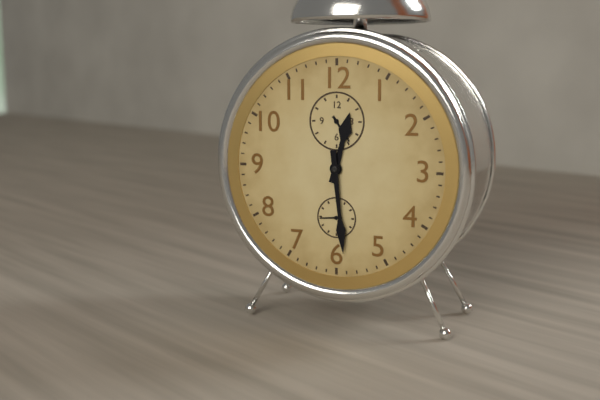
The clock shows 12:29
